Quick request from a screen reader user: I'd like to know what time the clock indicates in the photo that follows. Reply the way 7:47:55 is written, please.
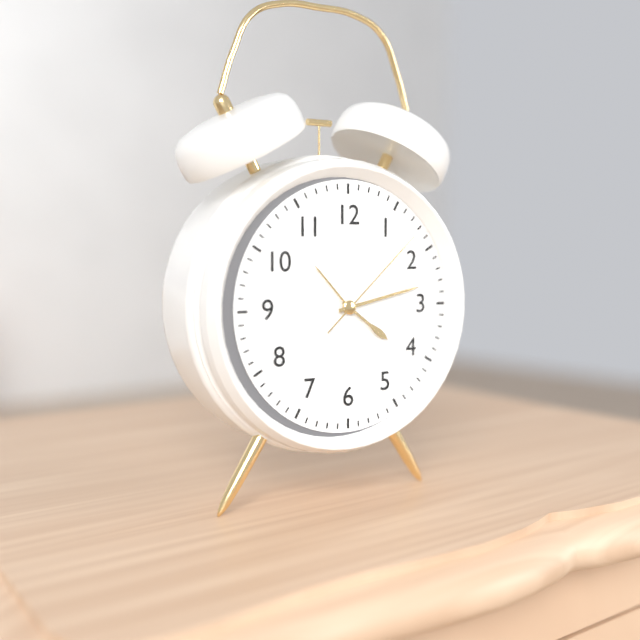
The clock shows 4:13:08
